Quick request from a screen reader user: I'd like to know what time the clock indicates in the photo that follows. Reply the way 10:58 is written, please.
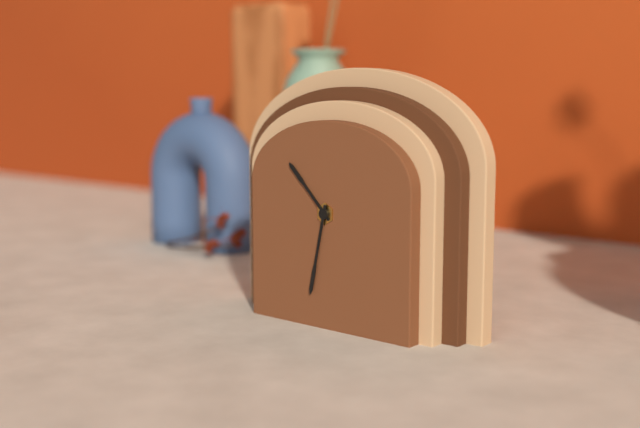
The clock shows 10:32
